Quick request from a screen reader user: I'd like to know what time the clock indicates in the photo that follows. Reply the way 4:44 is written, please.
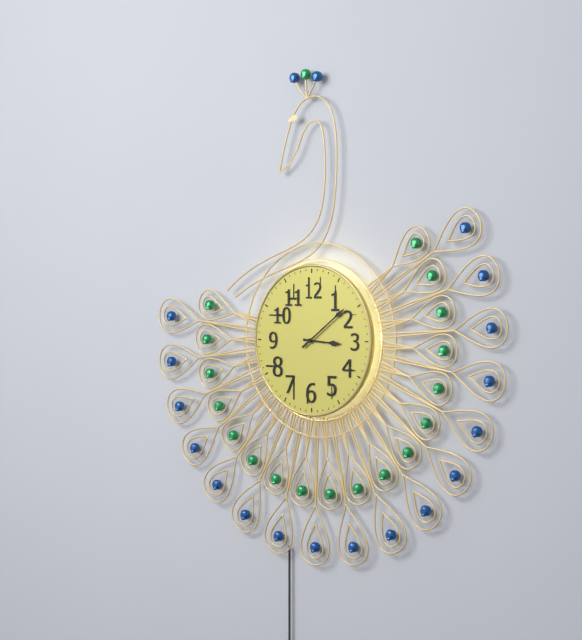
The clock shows 3:09
